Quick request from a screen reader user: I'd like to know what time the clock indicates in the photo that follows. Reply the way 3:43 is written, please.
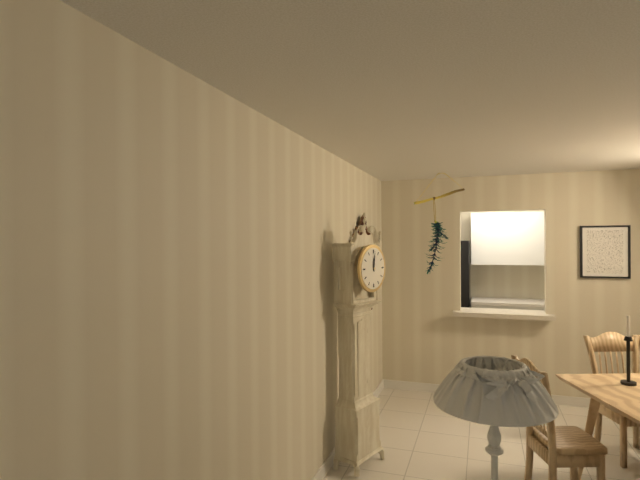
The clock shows 12:01
